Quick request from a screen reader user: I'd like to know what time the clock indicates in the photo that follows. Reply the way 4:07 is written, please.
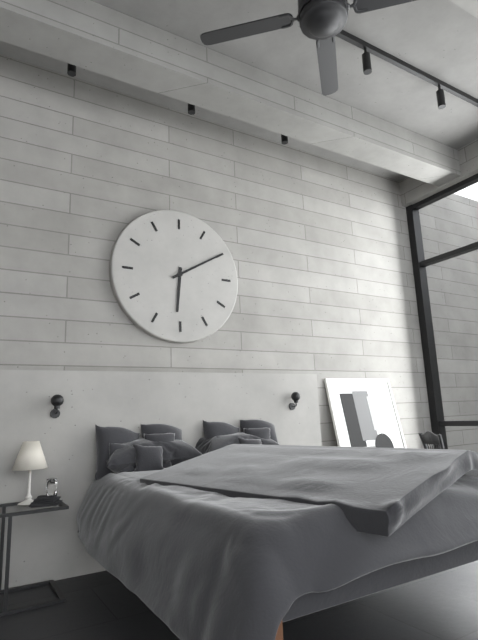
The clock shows 6:10
